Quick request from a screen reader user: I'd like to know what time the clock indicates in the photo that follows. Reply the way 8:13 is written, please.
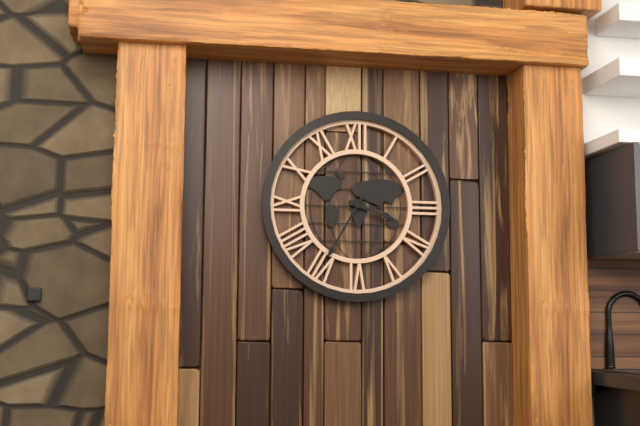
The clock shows 3:35
